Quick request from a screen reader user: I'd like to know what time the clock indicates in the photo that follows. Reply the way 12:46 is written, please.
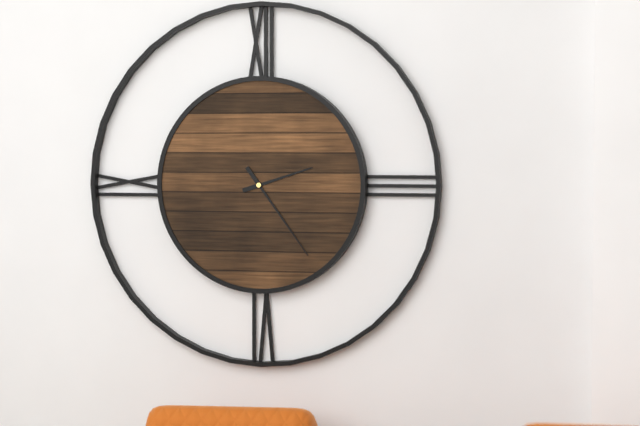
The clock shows 2:24
